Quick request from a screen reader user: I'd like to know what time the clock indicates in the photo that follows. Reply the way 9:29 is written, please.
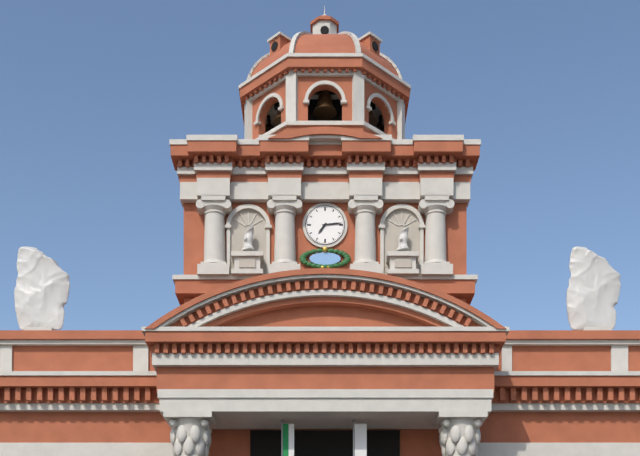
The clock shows 7:14
